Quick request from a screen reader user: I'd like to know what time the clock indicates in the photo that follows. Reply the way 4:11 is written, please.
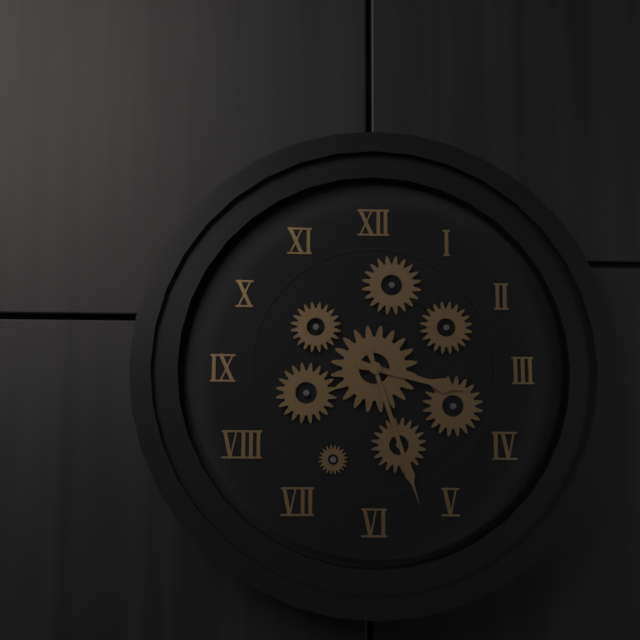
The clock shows 3:27
